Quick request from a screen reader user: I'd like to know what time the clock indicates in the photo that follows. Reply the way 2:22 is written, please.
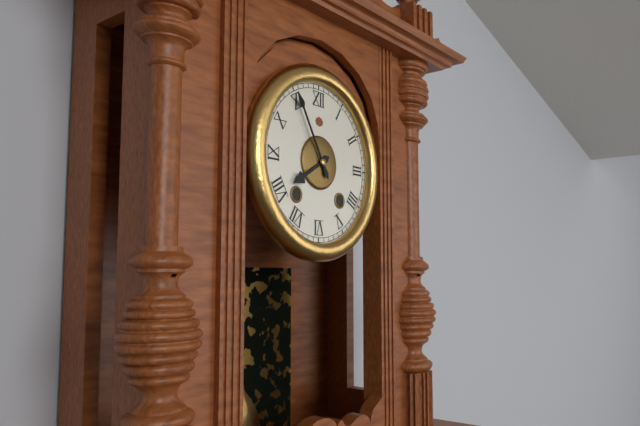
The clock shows 7:55
